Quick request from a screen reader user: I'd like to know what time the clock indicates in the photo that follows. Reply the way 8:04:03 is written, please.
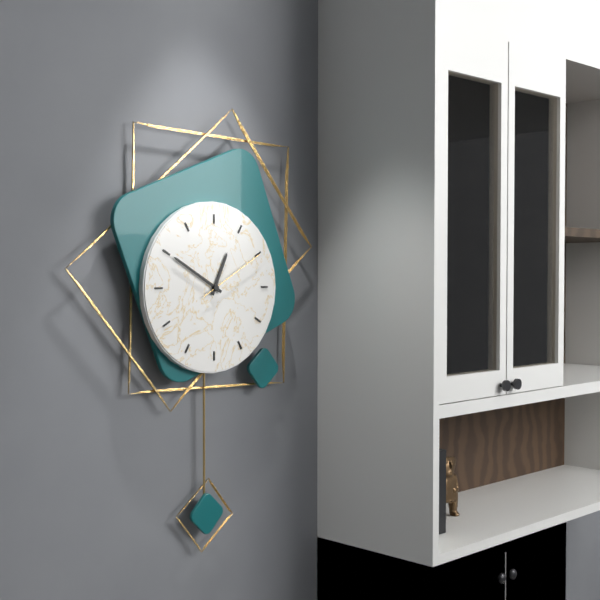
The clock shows 12:50:10
